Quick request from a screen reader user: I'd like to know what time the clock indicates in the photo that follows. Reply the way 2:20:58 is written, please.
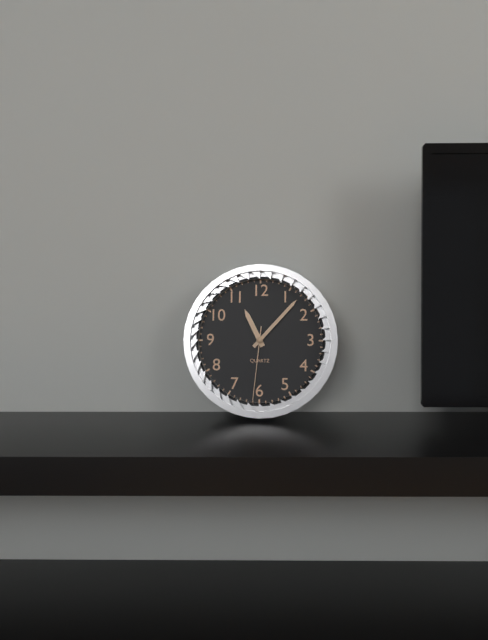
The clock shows 11:07:31
